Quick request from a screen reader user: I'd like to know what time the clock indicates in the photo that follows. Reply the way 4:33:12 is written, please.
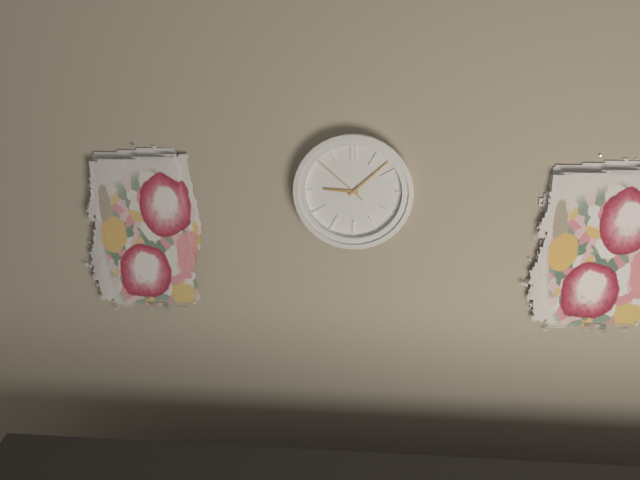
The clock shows 9:08:52
